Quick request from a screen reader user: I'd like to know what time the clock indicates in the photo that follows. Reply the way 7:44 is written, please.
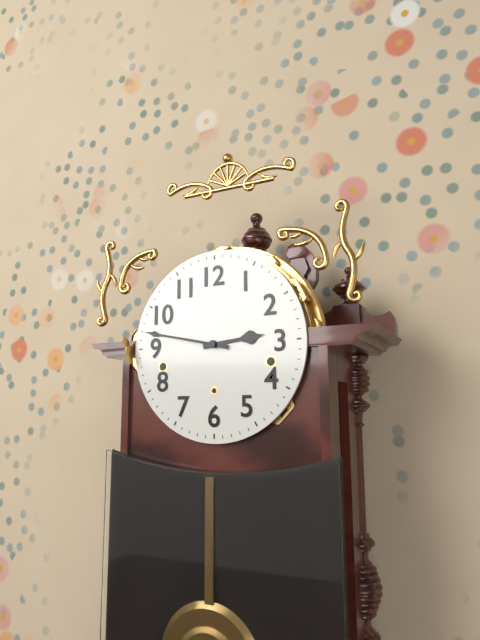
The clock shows 2:47
